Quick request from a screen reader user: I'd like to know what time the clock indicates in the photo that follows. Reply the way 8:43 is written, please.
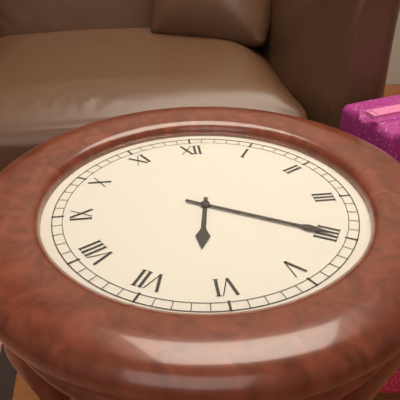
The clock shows 6:20
